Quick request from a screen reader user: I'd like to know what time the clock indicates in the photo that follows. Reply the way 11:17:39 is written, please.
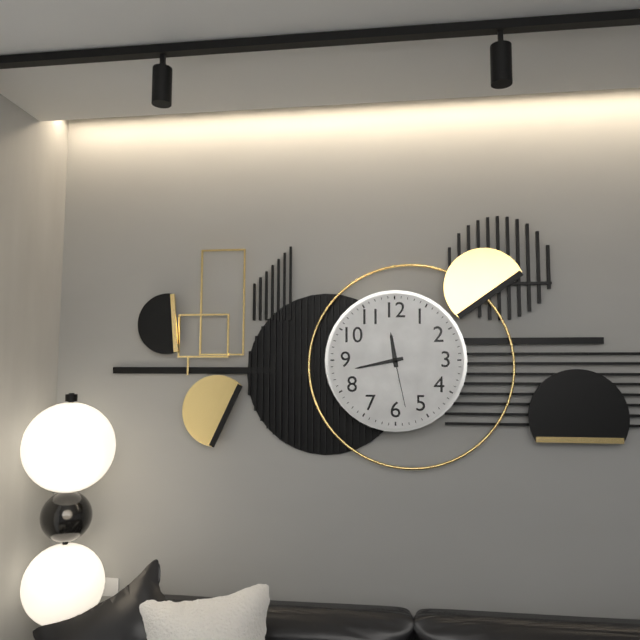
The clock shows 11:43:28
